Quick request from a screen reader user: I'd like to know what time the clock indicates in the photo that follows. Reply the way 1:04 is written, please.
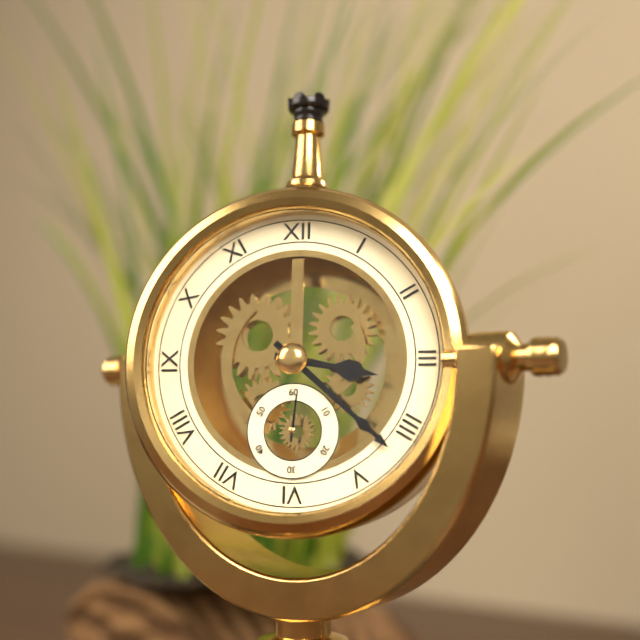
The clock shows 3:22
